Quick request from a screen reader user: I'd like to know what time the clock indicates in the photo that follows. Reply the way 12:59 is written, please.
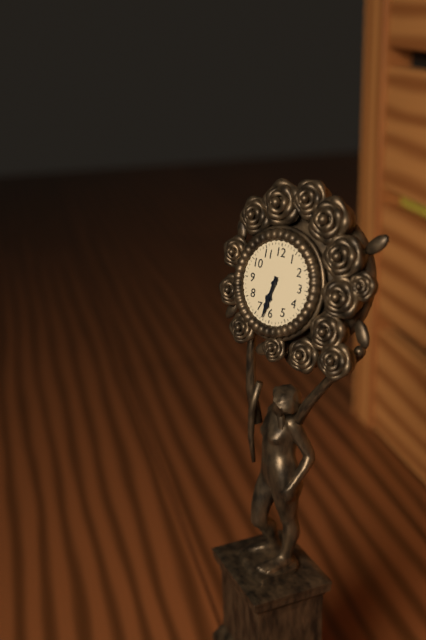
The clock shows 6:32
